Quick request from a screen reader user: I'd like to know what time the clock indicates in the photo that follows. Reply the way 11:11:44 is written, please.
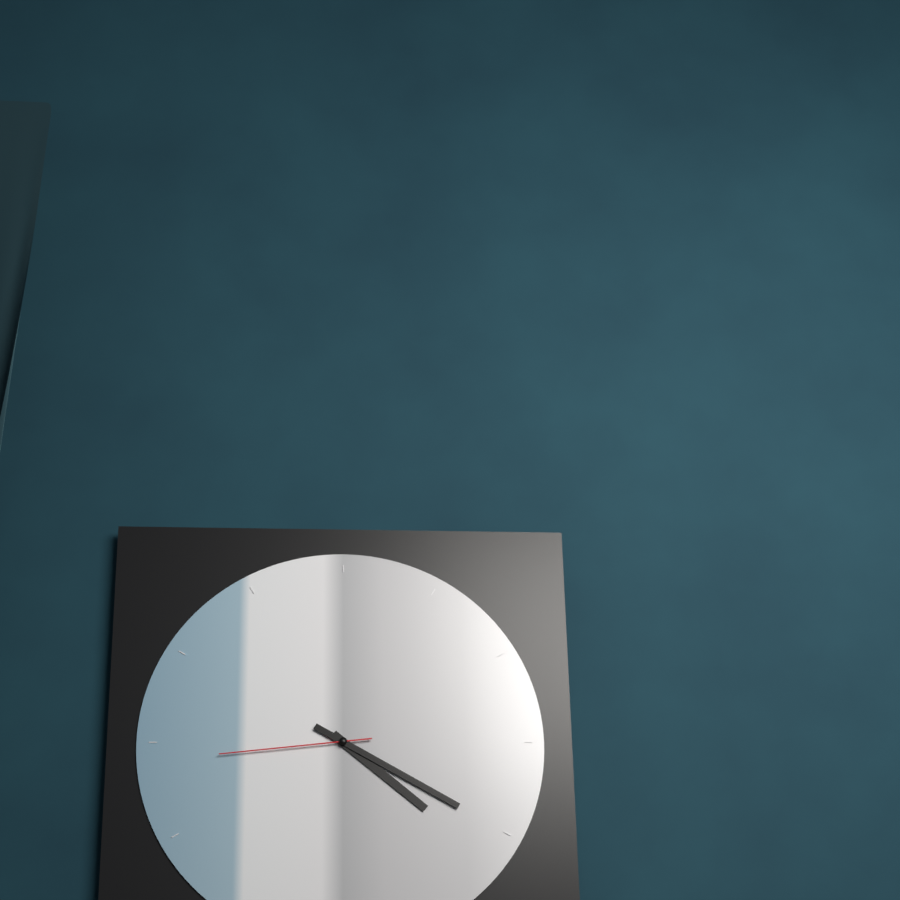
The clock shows 4:20:44
